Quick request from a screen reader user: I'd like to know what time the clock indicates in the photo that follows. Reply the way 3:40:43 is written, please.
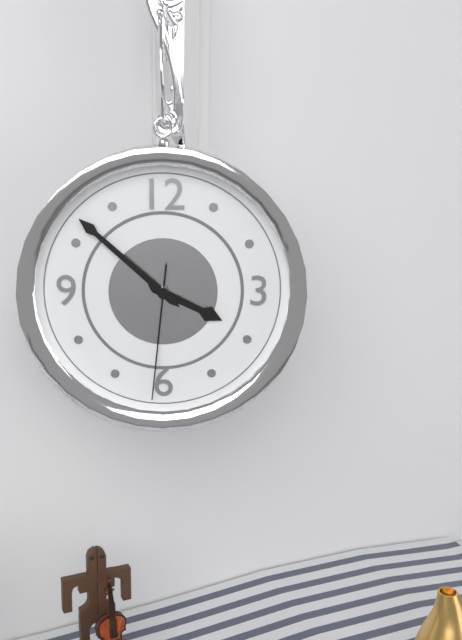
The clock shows 3:52:31
